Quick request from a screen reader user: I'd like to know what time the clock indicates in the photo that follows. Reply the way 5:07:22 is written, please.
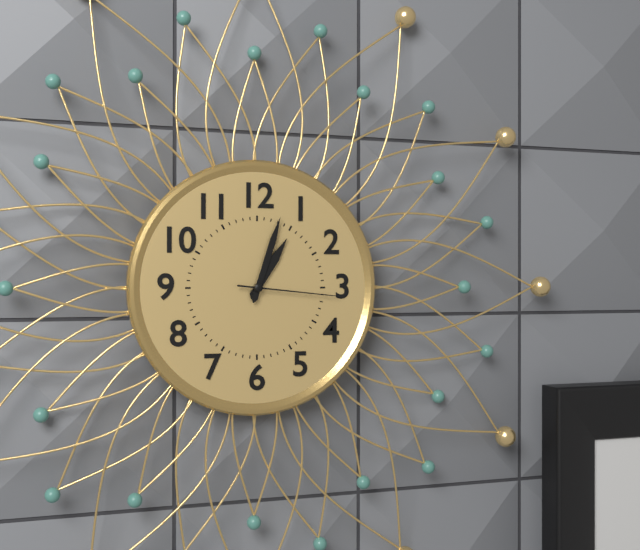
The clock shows 1:03:16
